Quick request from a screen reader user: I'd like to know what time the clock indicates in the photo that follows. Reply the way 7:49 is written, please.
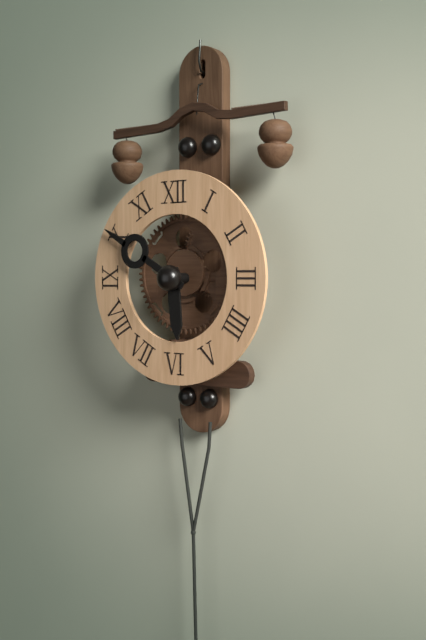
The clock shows 5:50
